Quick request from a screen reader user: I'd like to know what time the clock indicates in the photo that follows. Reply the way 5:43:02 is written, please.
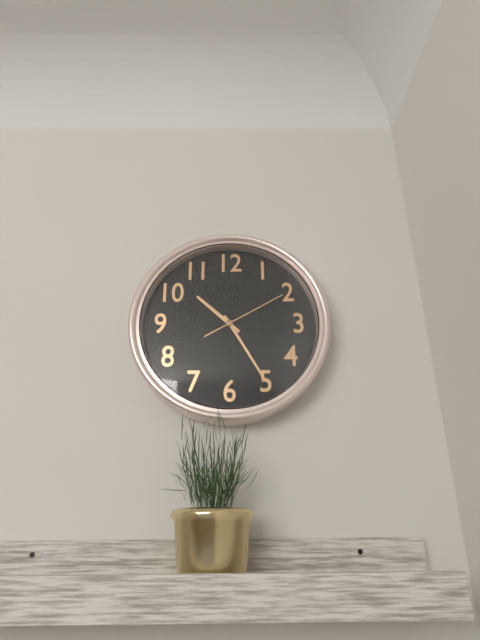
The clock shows 10:25:10
